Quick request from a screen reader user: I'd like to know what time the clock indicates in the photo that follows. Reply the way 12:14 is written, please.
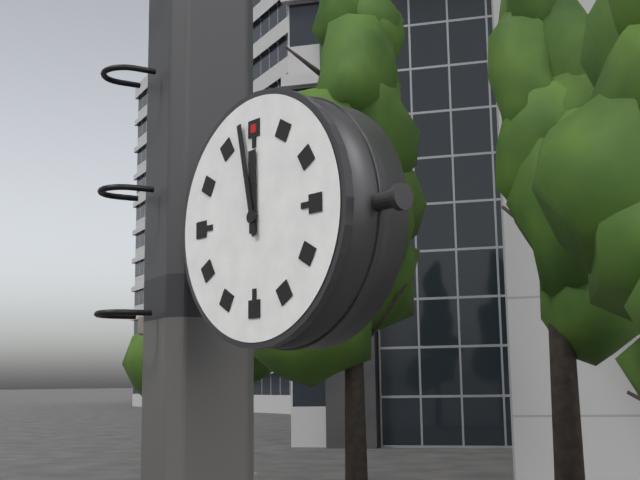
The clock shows 11:58
